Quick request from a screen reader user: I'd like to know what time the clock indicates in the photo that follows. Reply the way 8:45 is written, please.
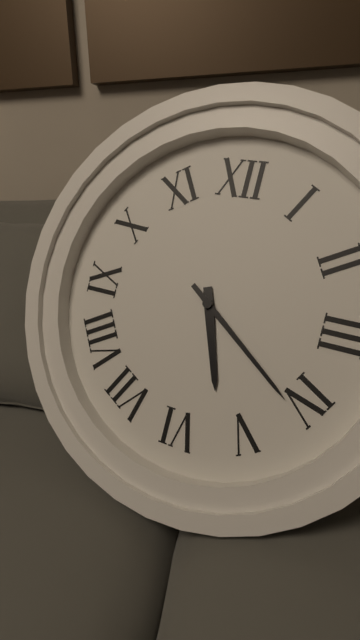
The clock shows 5:21
